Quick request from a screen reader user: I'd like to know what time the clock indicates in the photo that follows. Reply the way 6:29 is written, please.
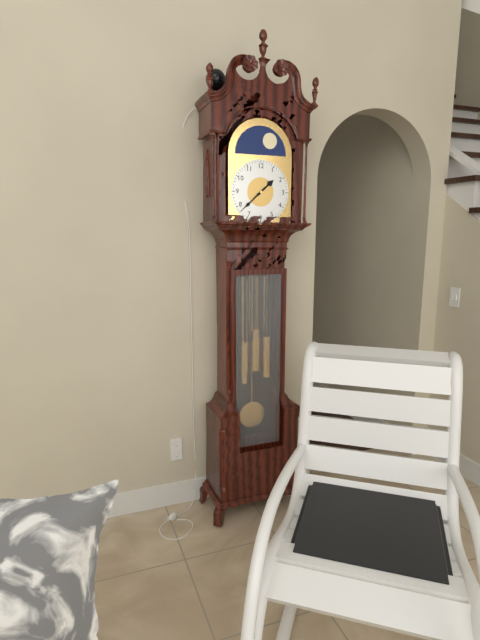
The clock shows 1:38
